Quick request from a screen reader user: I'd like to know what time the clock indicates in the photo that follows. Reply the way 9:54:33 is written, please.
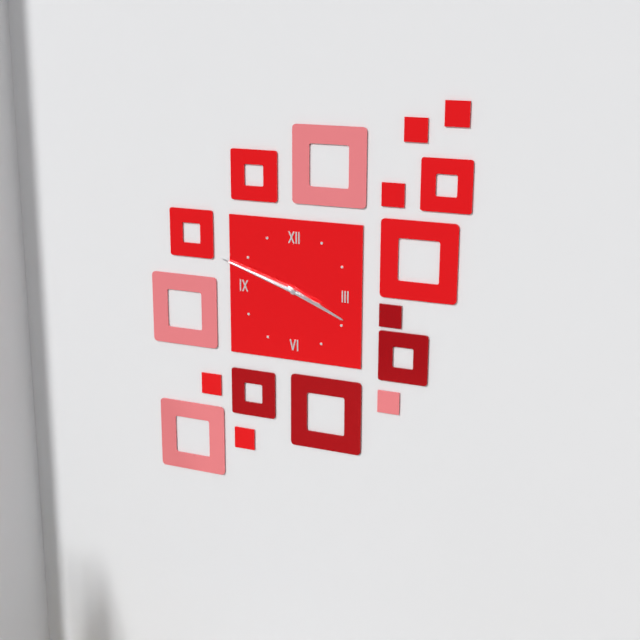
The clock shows 3:48:48
